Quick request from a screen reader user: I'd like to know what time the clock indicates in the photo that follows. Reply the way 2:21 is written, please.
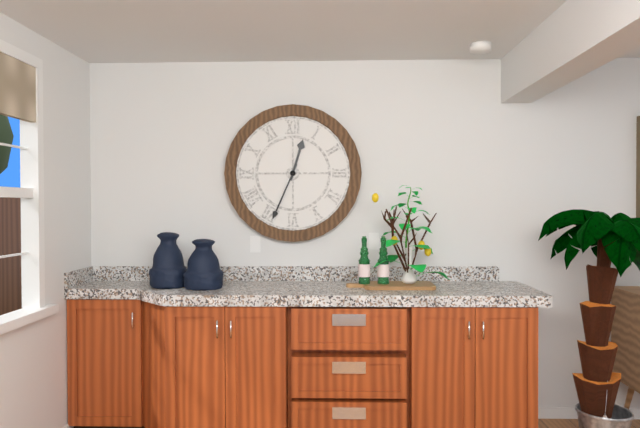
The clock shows 12:34
